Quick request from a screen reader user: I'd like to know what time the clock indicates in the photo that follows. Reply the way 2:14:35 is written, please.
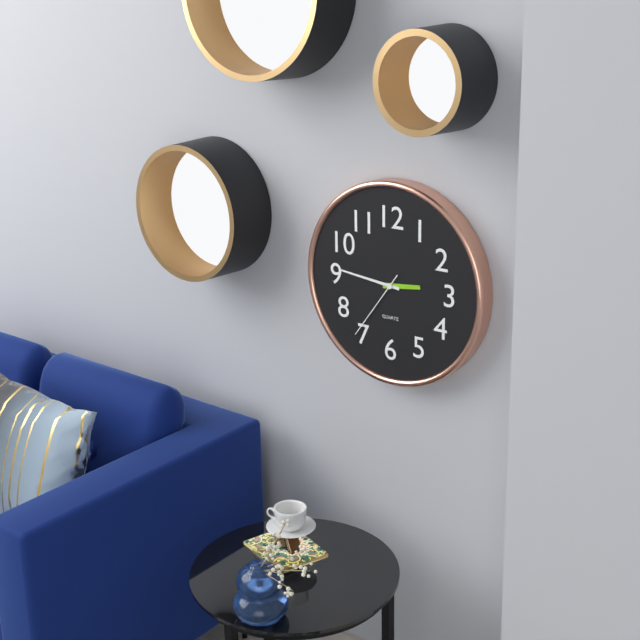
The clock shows 2:46:36
